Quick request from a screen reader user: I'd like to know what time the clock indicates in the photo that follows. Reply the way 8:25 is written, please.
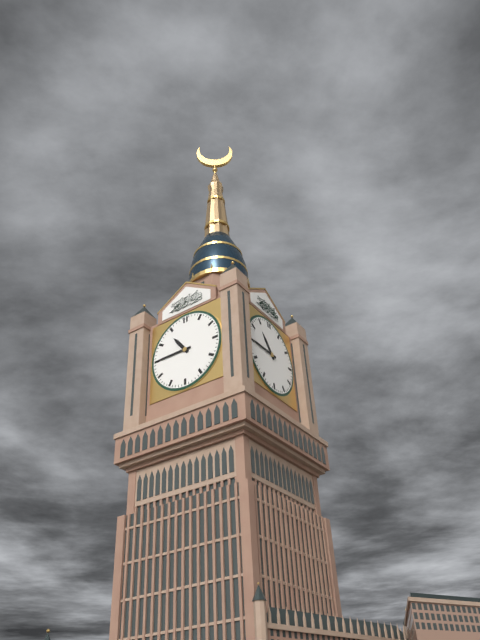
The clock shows 10:45
